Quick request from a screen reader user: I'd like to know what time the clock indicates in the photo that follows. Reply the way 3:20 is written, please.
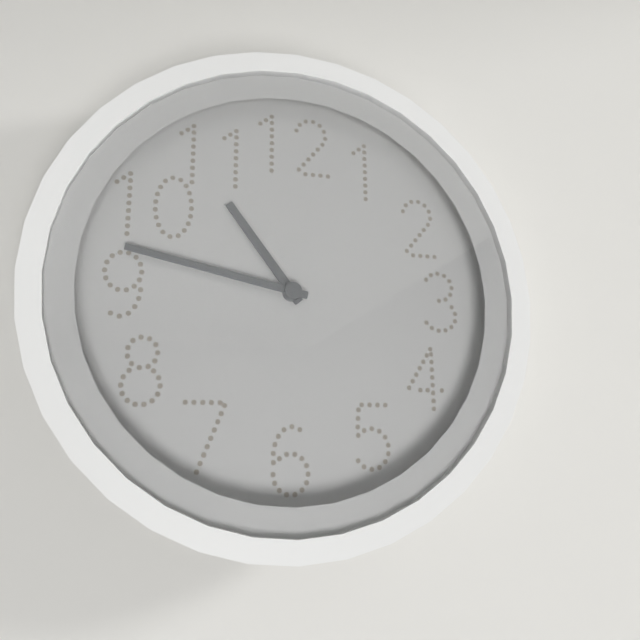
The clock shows 10:47
